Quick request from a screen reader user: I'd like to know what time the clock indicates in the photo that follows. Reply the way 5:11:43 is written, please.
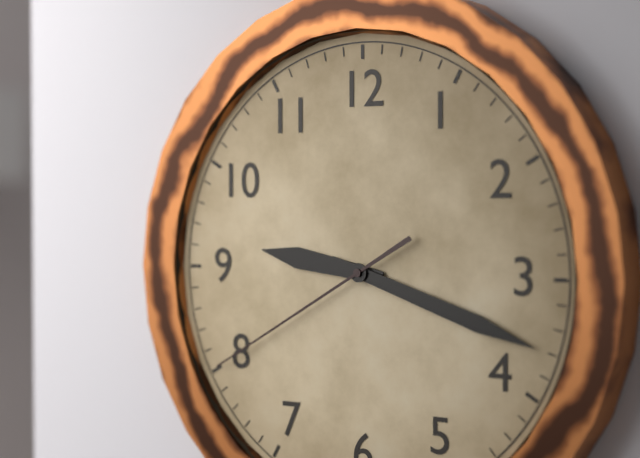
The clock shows 9:18:40
